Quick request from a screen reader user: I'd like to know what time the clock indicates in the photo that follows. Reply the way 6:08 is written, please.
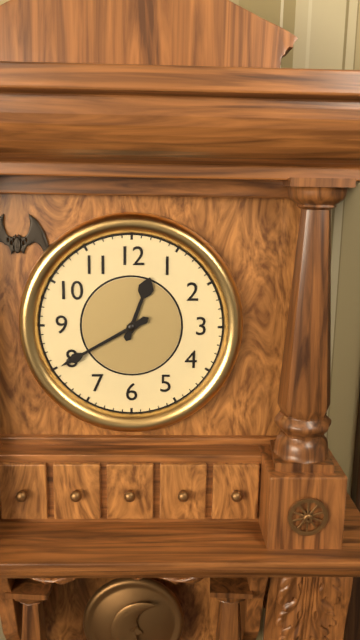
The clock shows 12:40
